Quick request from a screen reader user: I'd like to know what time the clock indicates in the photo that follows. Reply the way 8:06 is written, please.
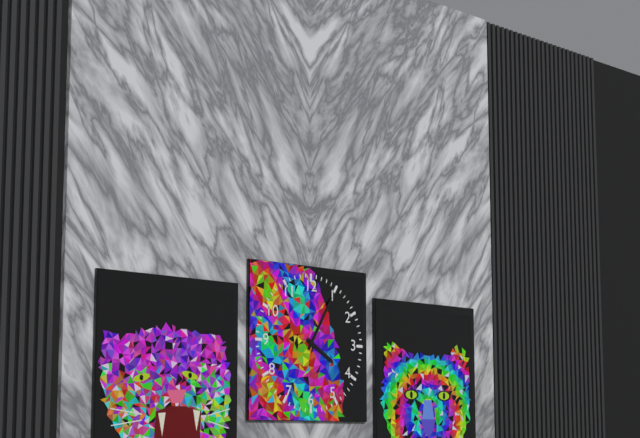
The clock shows 4:05
